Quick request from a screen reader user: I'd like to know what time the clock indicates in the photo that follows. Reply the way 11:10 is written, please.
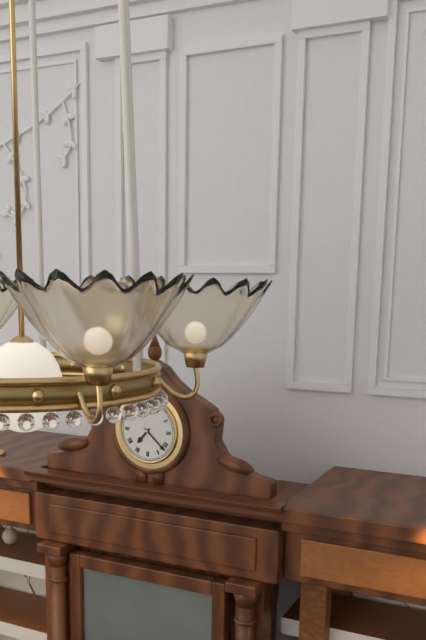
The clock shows 7:22
